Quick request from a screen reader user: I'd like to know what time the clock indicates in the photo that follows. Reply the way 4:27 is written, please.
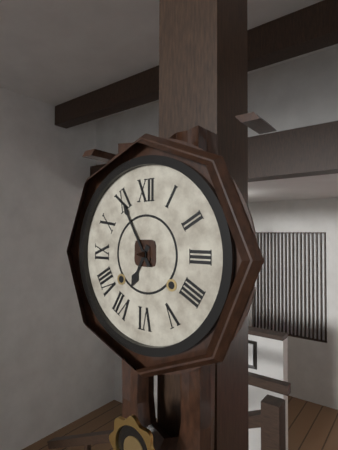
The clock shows 6:55
